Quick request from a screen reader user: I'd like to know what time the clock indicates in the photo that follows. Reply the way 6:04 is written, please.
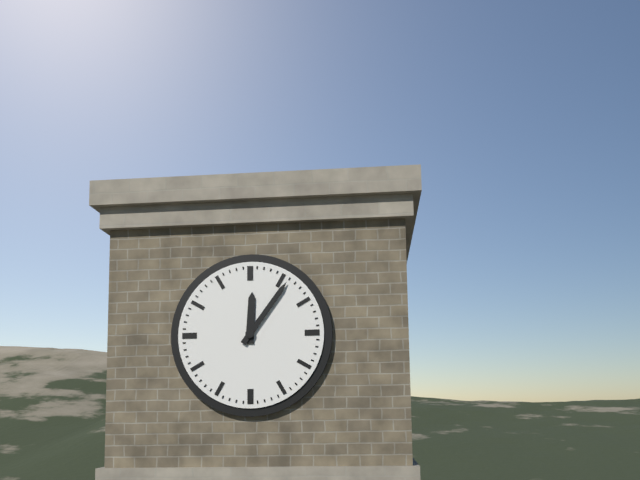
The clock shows 12:06
